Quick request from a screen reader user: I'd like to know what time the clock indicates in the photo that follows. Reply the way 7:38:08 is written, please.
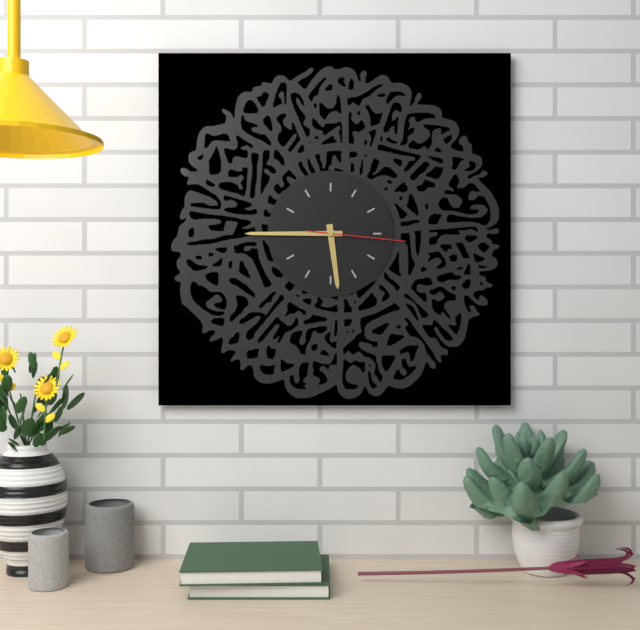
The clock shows 5:45:16
